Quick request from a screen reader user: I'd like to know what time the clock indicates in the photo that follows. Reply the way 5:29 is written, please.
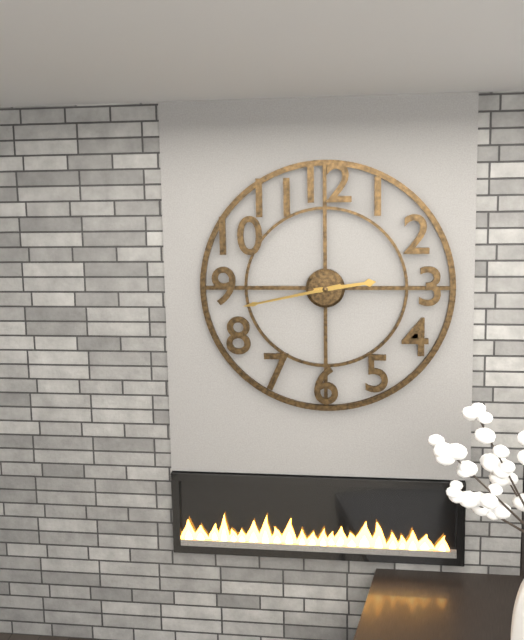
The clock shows 2:43
